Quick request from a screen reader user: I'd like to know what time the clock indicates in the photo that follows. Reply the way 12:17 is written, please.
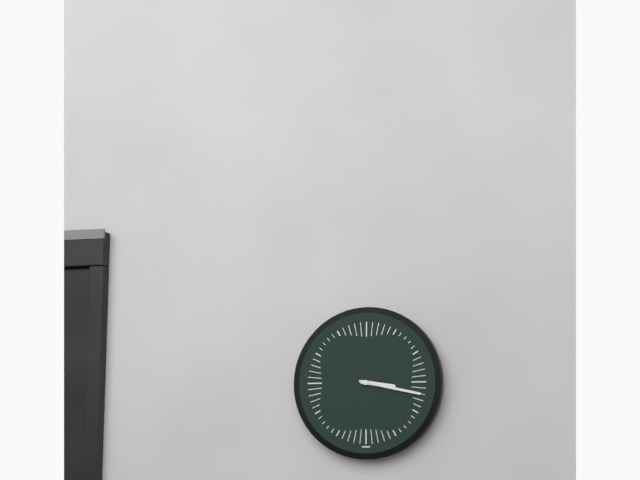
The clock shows 3:17
